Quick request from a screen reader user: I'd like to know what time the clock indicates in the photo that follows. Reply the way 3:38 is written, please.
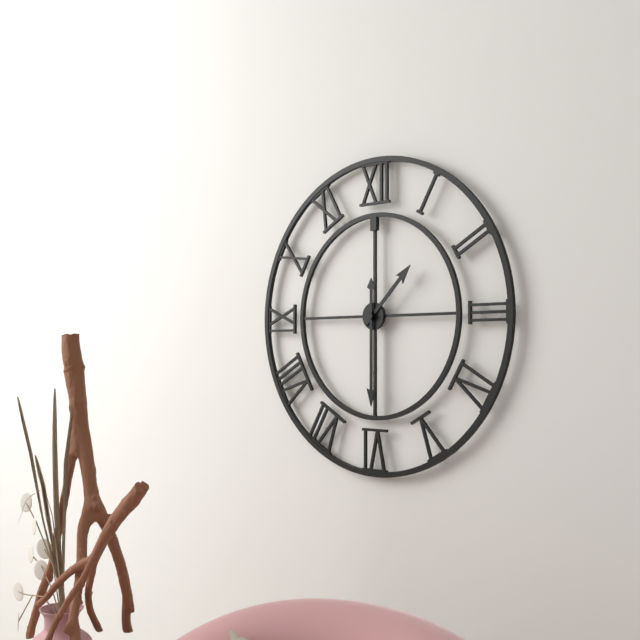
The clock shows 1:30
